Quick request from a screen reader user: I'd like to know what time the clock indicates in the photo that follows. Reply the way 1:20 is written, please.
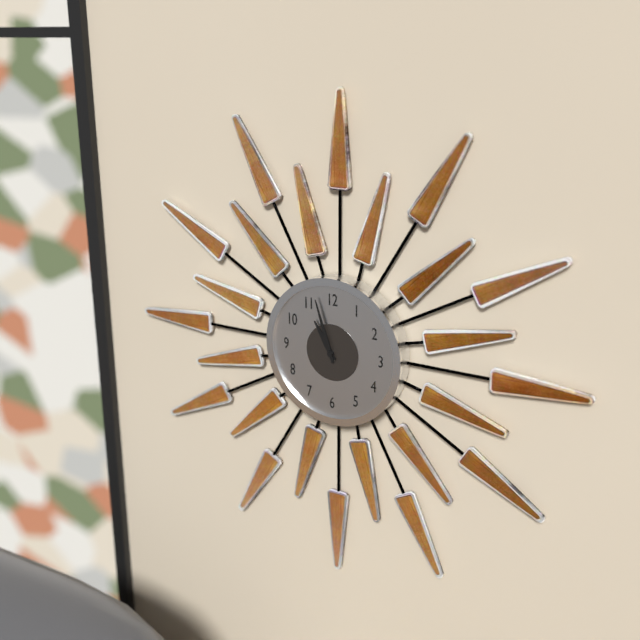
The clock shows 10:57
